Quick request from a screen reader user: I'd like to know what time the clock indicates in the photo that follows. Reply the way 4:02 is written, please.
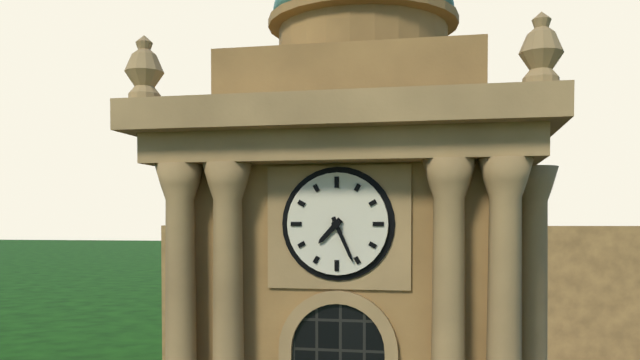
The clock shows 7:26
